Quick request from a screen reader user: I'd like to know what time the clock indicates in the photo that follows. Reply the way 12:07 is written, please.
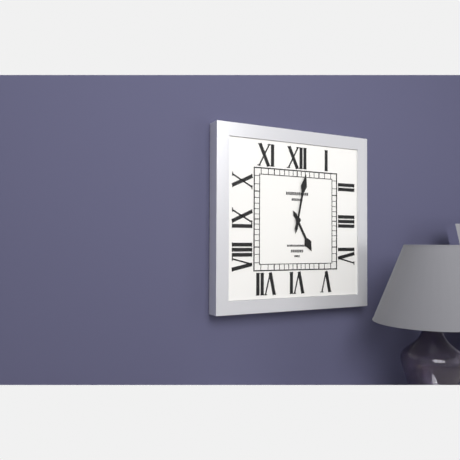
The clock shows 5:02
